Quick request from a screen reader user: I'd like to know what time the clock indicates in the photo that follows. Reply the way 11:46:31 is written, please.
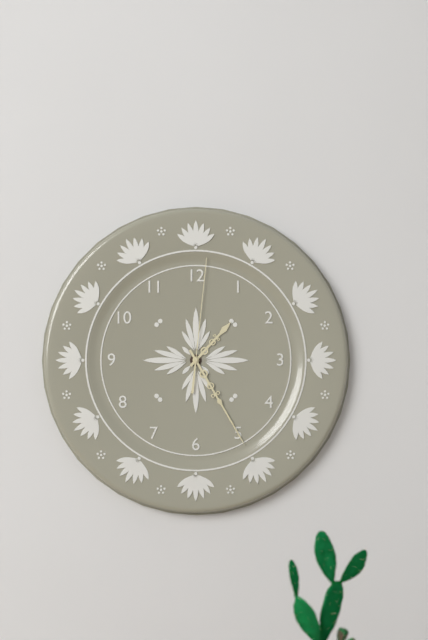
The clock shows 1:25:01
